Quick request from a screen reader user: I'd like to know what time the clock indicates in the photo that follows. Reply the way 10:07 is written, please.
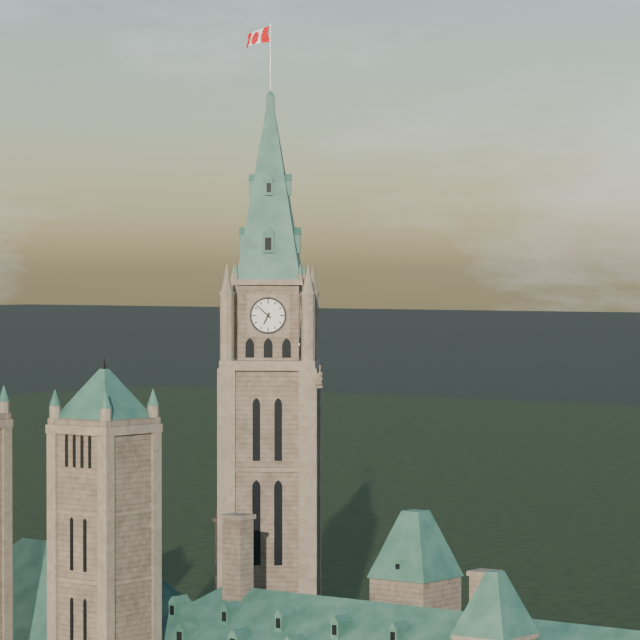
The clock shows 6:52
